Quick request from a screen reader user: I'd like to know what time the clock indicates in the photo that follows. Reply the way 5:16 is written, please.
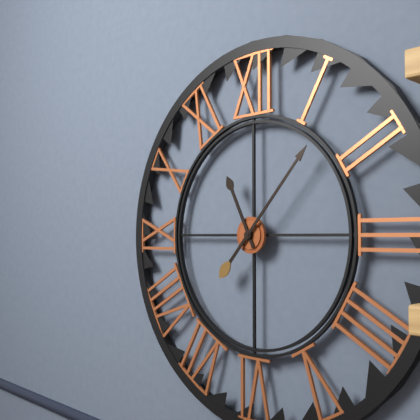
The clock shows 11:07
